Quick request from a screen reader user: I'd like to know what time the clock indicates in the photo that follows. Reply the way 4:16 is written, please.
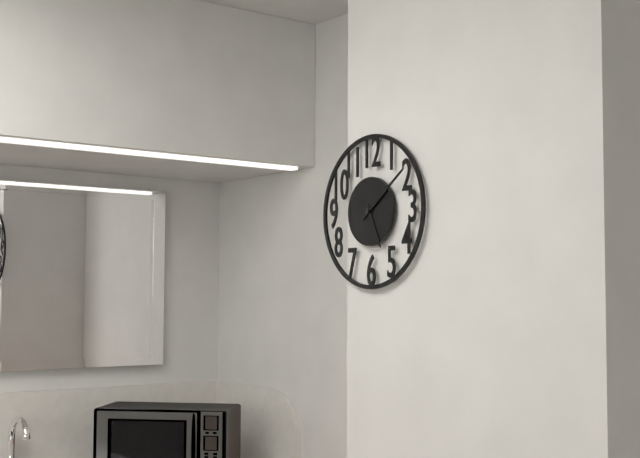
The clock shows 5:09
